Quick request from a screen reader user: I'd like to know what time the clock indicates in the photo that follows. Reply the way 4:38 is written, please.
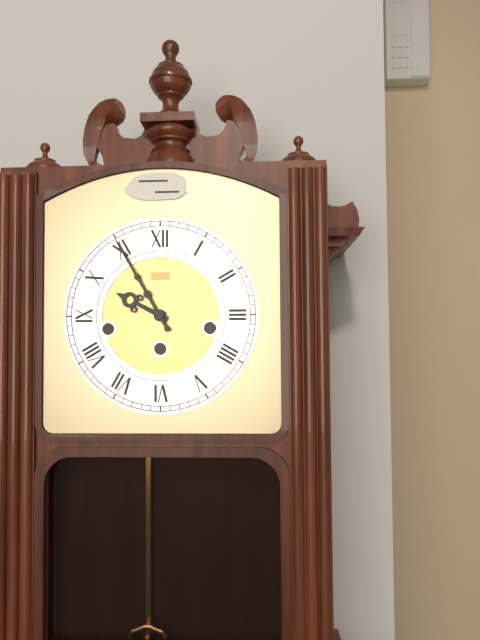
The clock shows 9:55
